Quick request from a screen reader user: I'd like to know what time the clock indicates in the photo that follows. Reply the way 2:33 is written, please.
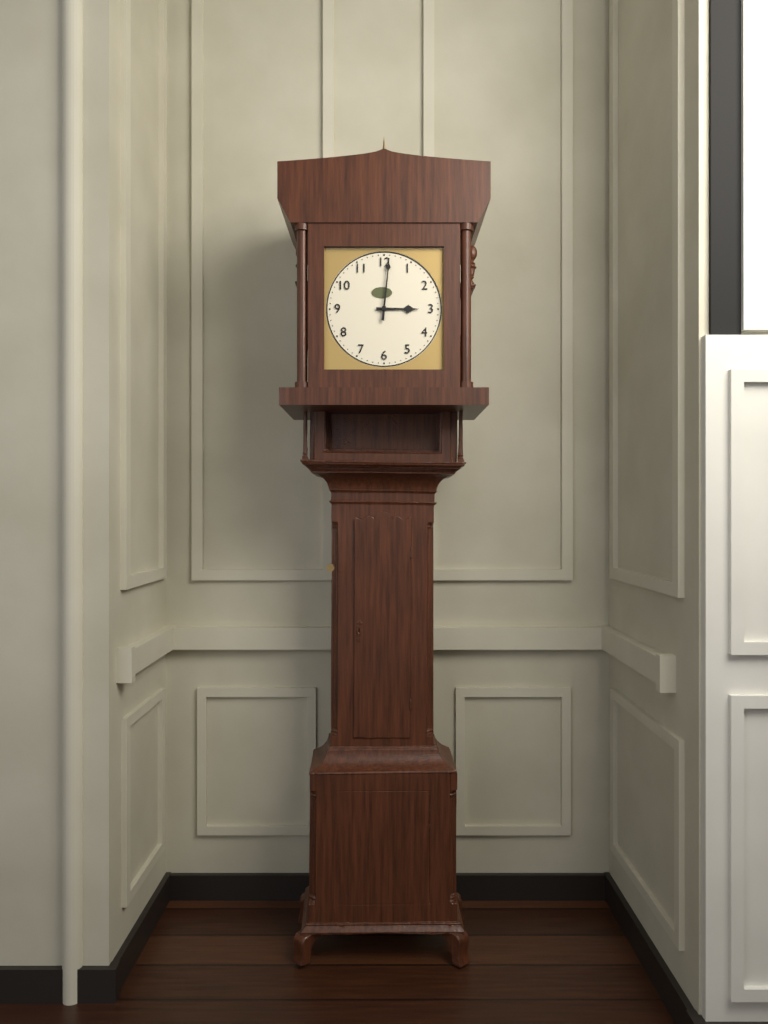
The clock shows 3:01
